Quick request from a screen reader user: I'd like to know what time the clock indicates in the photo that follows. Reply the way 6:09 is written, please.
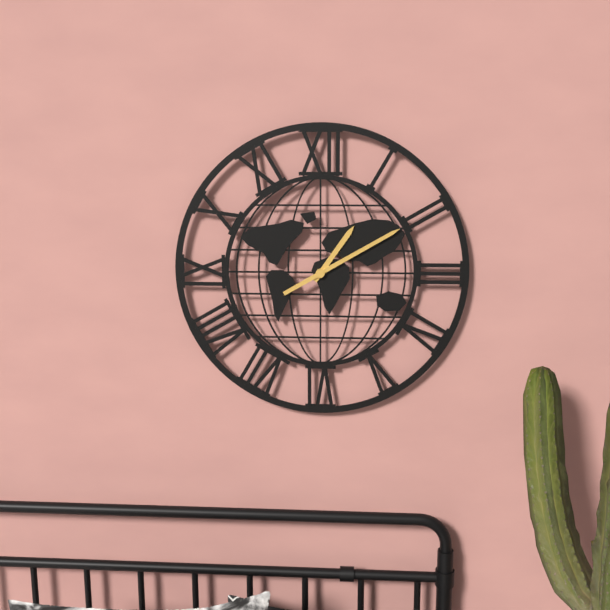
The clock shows 1:10
